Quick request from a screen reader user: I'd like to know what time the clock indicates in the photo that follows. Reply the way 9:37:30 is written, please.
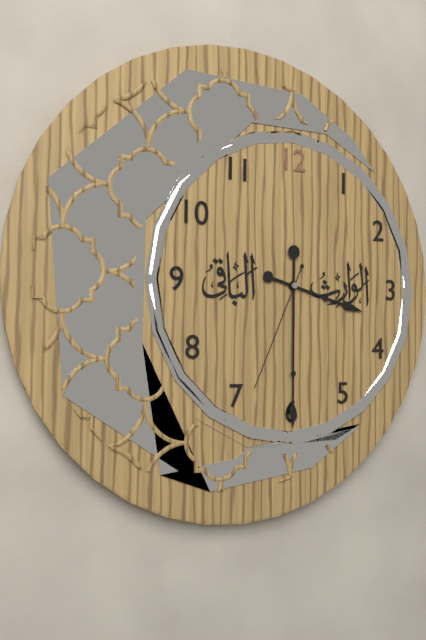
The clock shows 3:30:34
